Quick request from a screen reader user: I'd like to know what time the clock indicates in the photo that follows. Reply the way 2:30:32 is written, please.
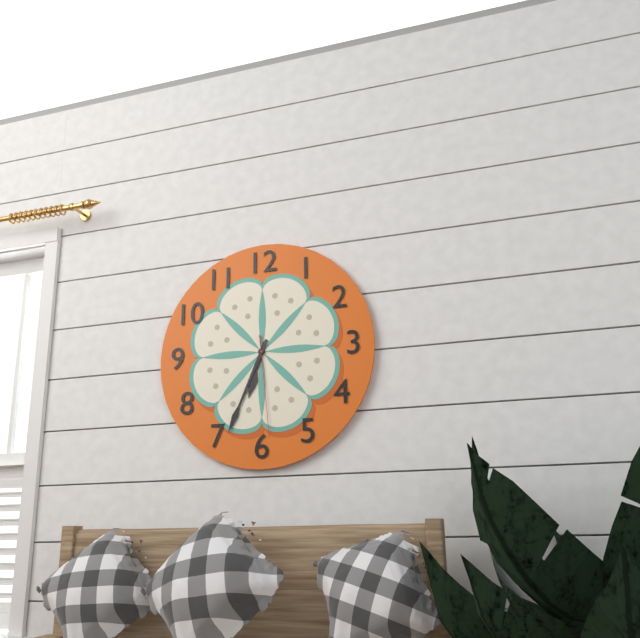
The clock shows 6:34:29
